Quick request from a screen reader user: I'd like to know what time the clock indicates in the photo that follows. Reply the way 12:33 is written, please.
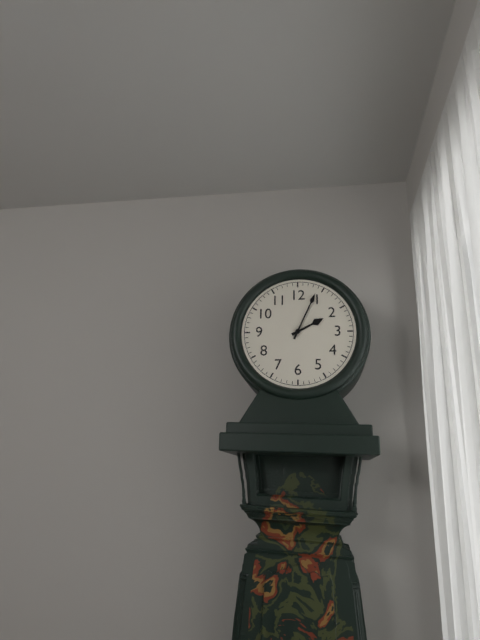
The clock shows 2:04
